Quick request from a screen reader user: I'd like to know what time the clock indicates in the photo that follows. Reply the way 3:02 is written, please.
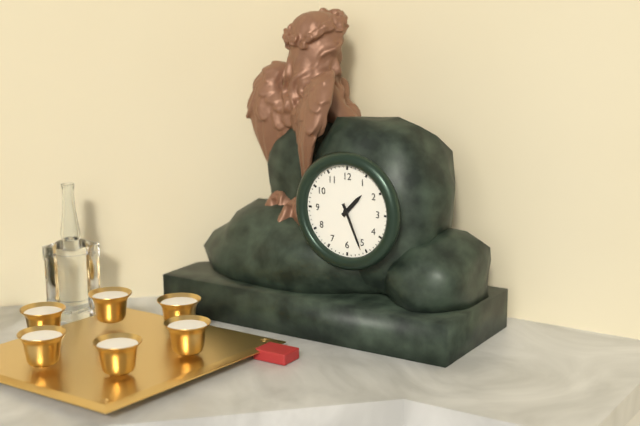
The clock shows 1:26
